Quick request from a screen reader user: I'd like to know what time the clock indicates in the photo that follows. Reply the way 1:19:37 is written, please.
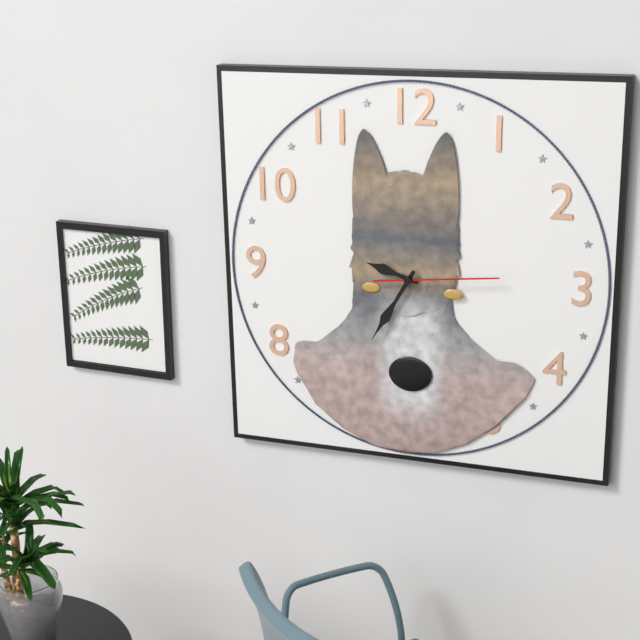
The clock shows 9:35:14
